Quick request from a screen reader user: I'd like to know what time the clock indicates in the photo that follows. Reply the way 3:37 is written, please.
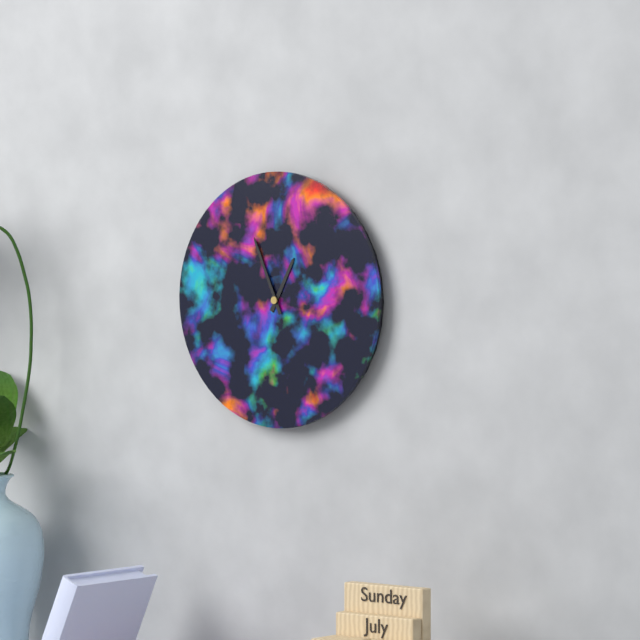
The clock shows 12:56
